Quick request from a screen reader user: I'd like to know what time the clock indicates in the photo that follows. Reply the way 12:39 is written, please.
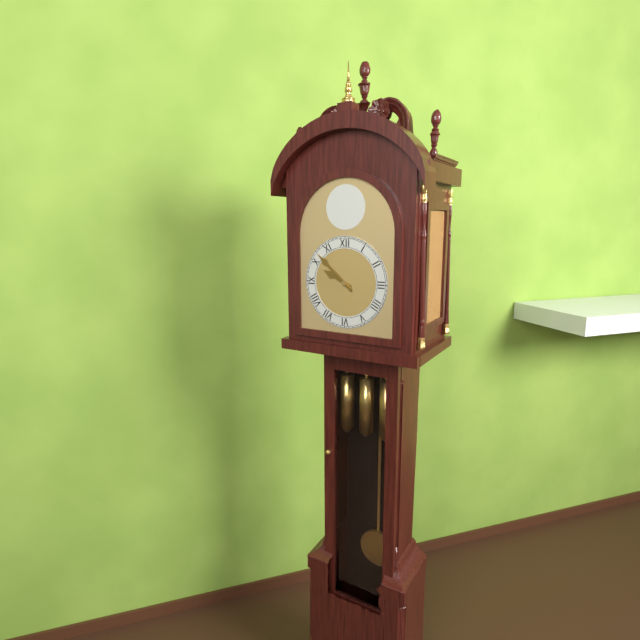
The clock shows 9:52
